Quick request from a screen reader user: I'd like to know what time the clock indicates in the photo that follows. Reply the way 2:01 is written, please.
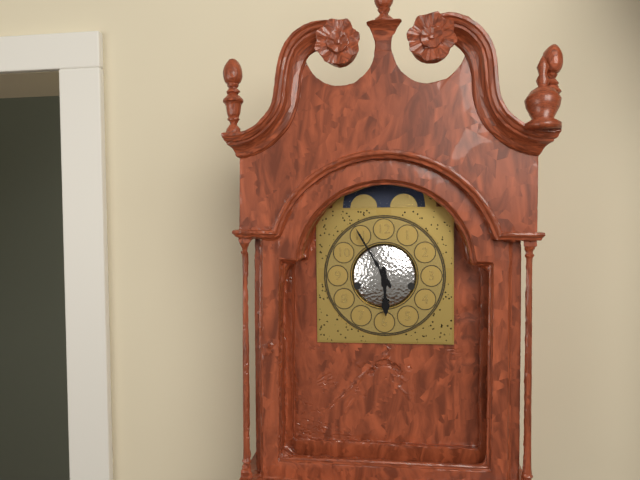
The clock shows 5:55
